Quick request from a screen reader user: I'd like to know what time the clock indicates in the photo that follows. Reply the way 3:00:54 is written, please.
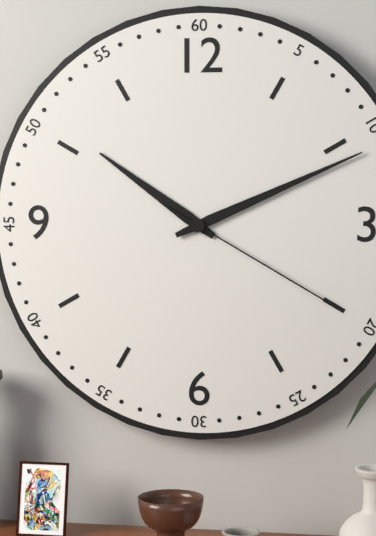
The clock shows 10:11:20
